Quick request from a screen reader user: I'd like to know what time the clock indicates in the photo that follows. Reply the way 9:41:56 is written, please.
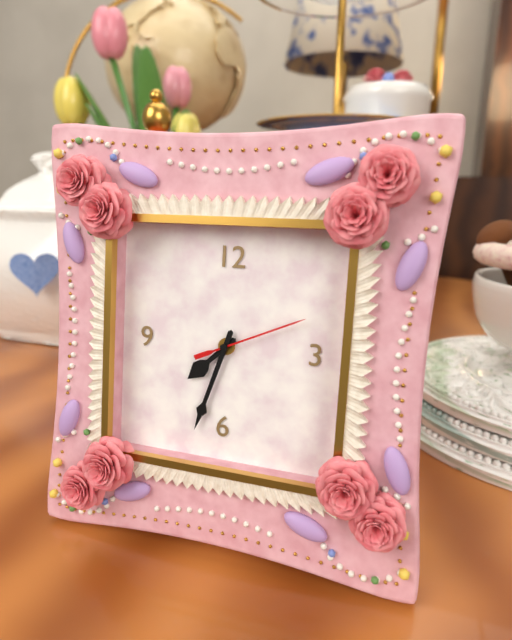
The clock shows 7:33:11
